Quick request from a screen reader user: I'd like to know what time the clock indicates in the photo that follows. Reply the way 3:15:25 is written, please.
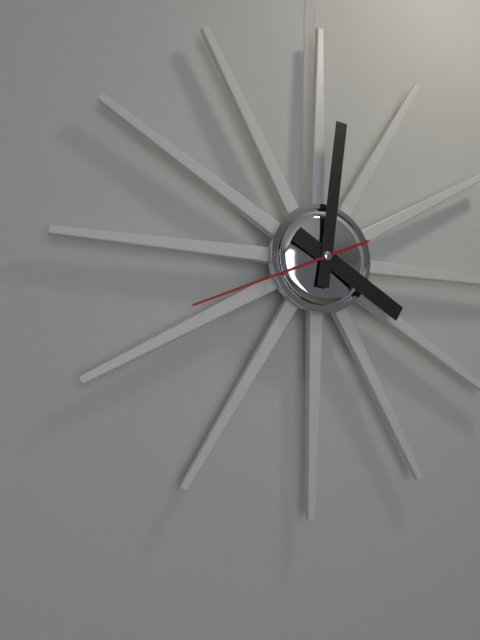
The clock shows 4:01:41
